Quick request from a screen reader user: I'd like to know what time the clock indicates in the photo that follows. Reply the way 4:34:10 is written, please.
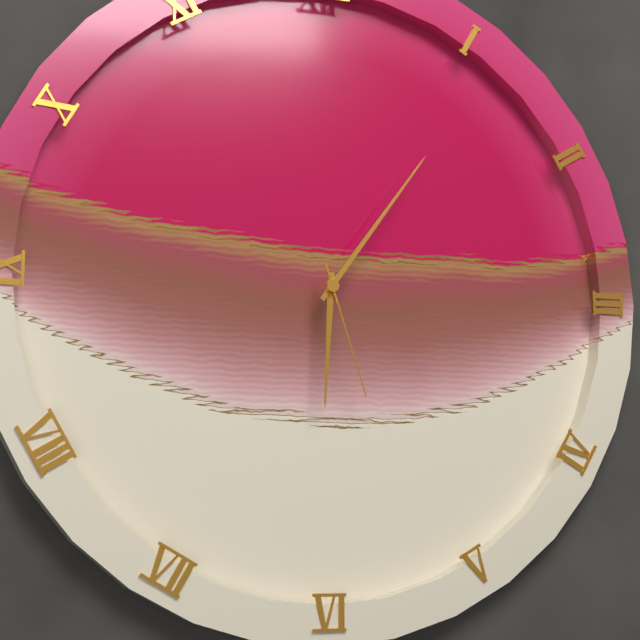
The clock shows 6:06:27
